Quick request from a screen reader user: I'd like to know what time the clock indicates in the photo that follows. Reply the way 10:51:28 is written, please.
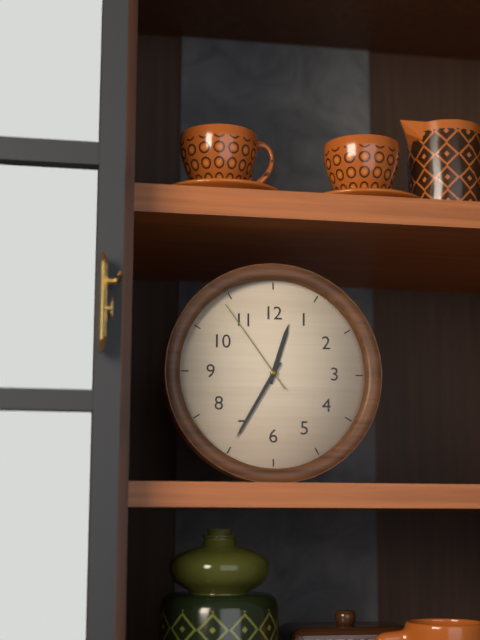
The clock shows 12:35:54
